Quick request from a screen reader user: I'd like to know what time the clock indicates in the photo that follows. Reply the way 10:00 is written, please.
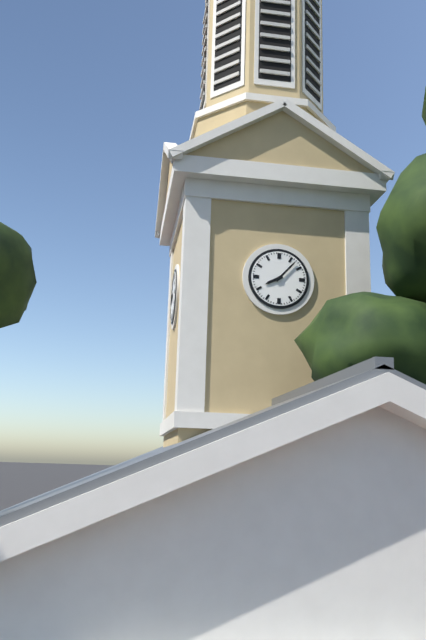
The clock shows 8:07
